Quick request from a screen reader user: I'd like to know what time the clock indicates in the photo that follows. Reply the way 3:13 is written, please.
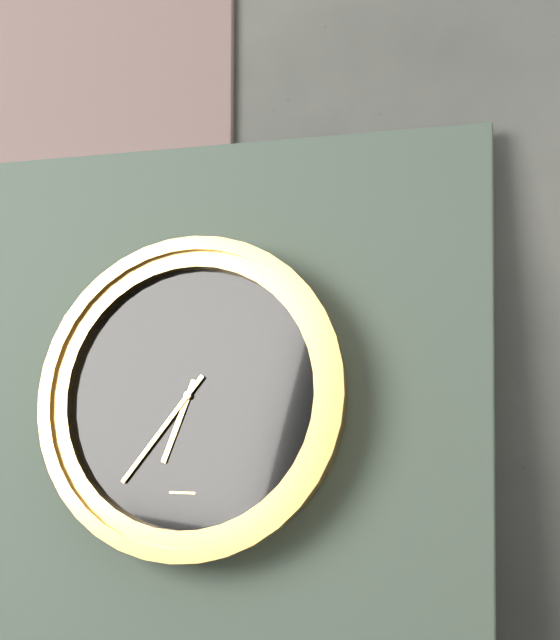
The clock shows 6:36
